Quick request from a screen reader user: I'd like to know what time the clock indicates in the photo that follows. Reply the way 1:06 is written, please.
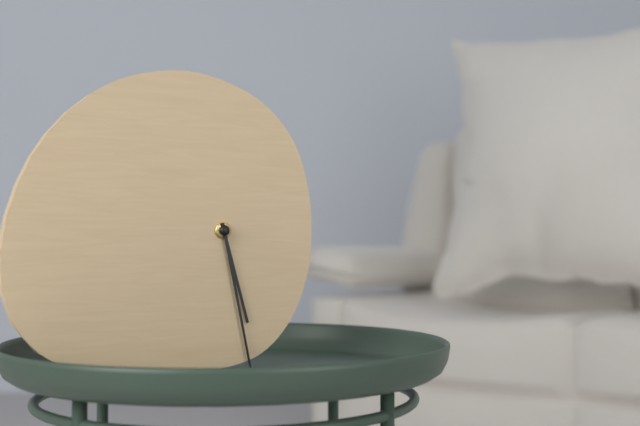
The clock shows 5:28
